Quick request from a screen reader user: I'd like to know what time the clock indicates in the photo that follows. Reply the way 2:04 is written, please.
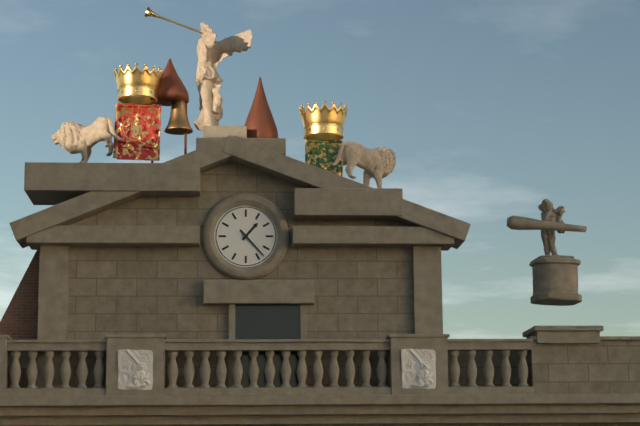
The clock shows 1:23
